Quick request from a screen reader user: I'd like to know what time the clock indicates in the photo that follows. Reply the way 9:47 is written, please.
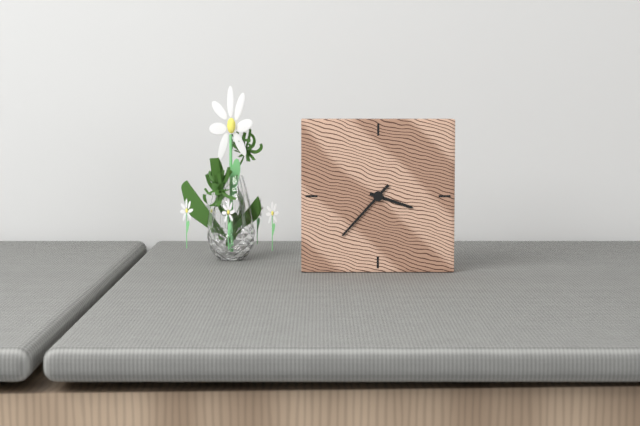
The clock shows 3:37
